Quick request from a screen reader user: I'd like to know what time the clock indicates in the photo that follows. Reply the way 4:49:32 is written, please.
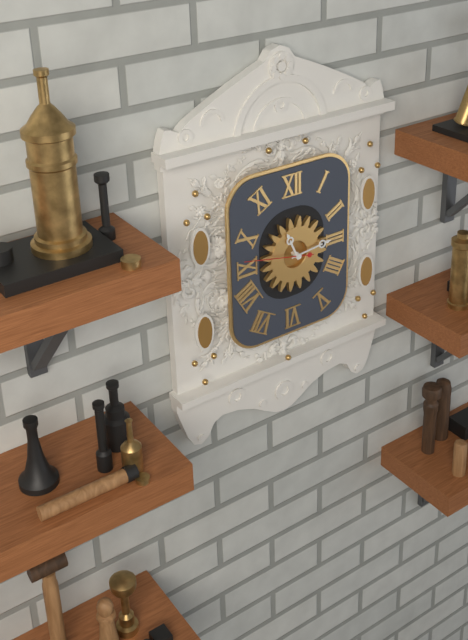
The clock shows 11:14:47
